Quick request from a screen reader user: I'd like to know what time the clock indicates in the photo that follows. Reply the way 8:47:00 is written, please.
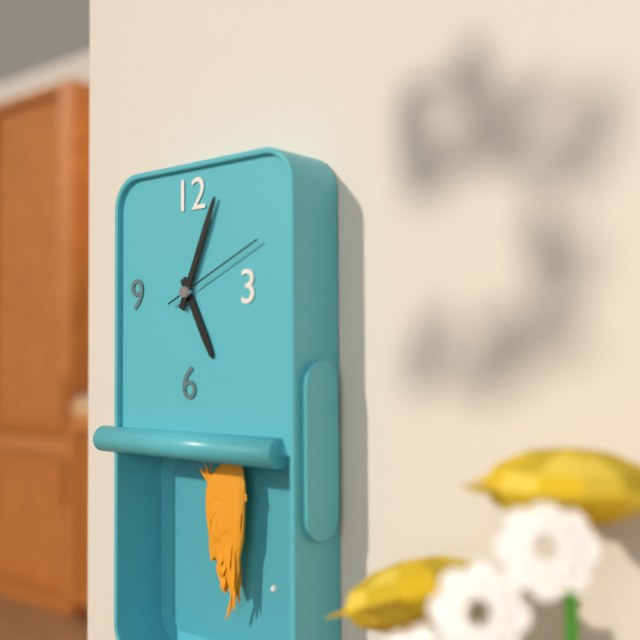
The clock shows 5:04:11
